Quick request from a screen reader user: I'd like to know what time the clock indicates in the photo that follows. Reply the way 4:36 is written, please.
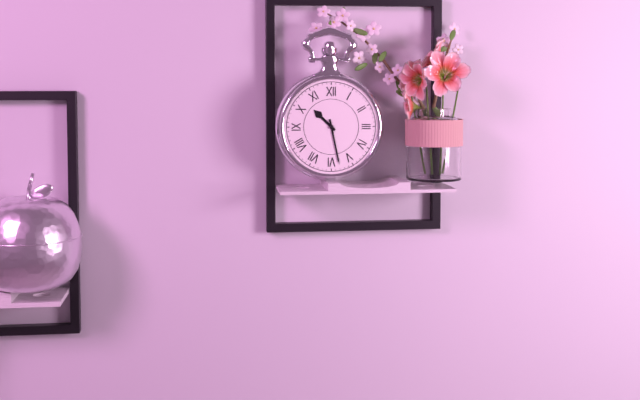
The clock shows 10:28
